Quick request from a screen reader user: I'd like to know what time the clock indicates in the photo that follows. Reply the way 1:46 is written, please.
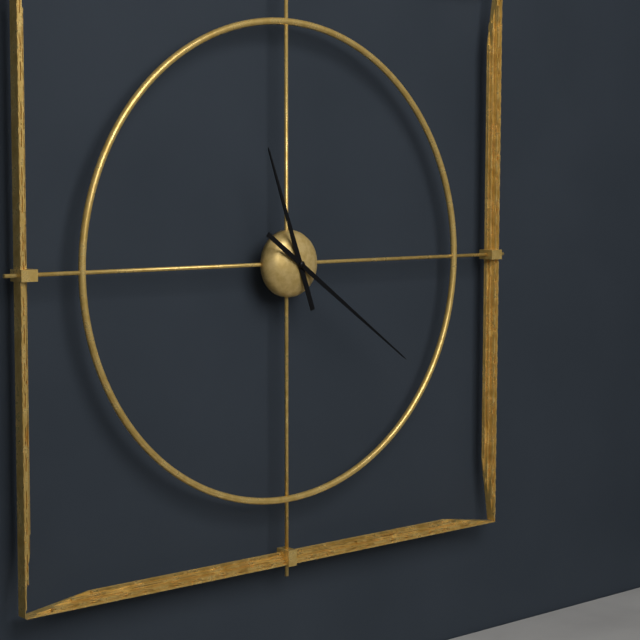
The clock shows 11:21
